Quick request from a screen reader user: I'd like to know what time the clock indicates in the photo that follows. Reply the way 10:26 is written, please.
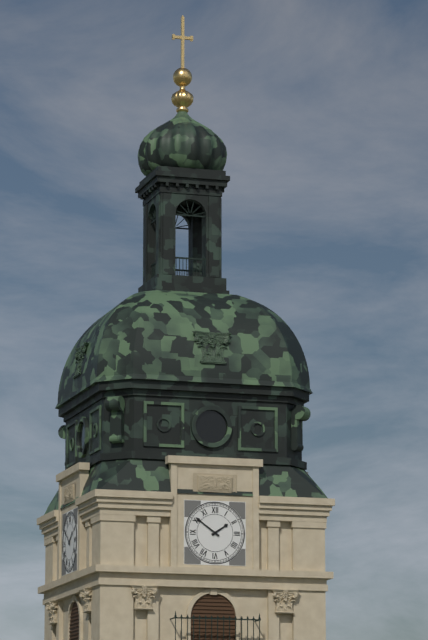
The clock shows 1:51
